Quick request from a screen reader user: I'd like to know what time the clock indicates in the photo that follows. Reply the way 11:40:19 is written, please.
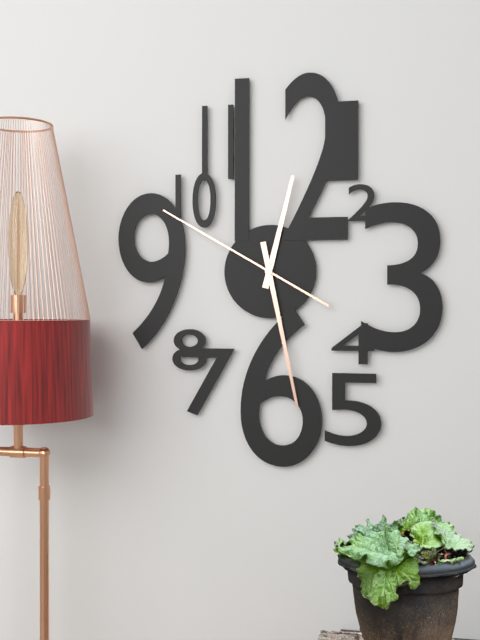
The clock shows 12:28:50
